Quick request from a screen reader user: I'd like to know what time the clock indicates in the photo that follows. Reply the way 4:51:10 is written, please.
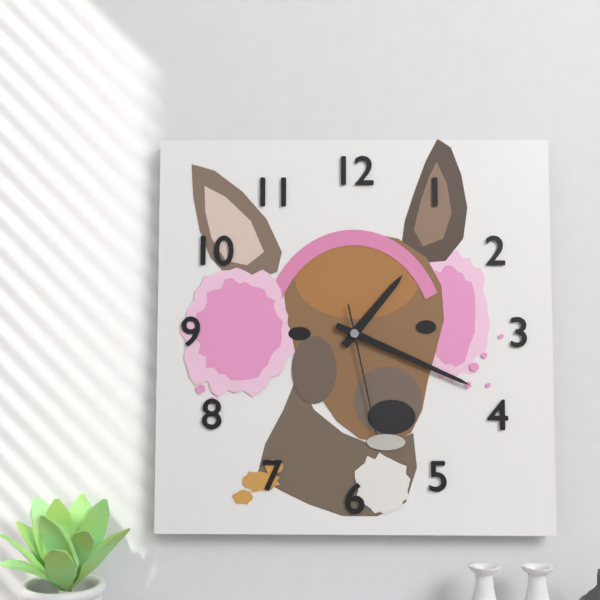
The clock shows 1:19:28
